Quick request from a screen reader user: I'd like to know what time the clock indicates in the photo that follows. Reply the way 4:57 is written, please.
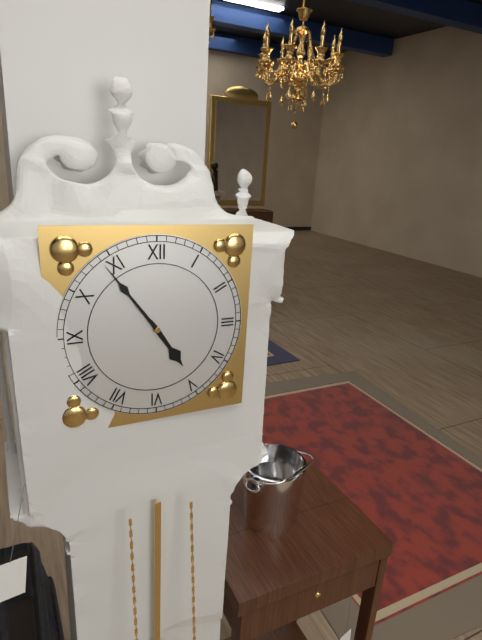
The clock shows 4:54
